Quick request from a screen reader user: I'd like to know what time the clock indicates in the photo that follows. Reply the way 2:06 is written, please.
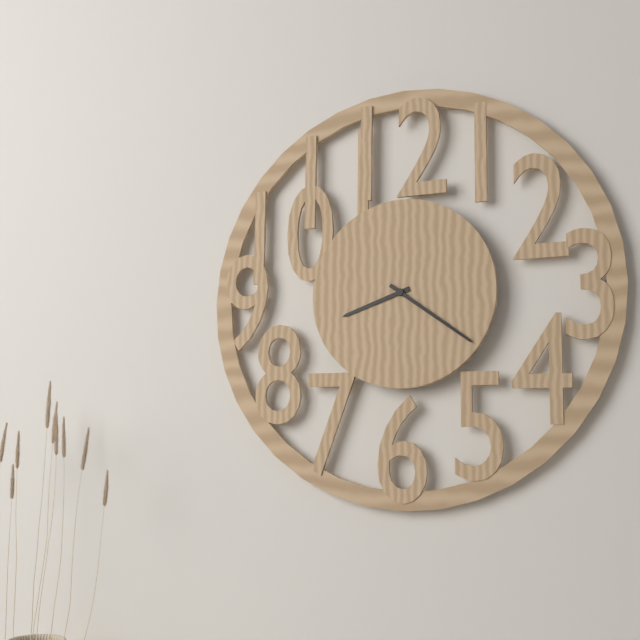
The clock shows 8:21
